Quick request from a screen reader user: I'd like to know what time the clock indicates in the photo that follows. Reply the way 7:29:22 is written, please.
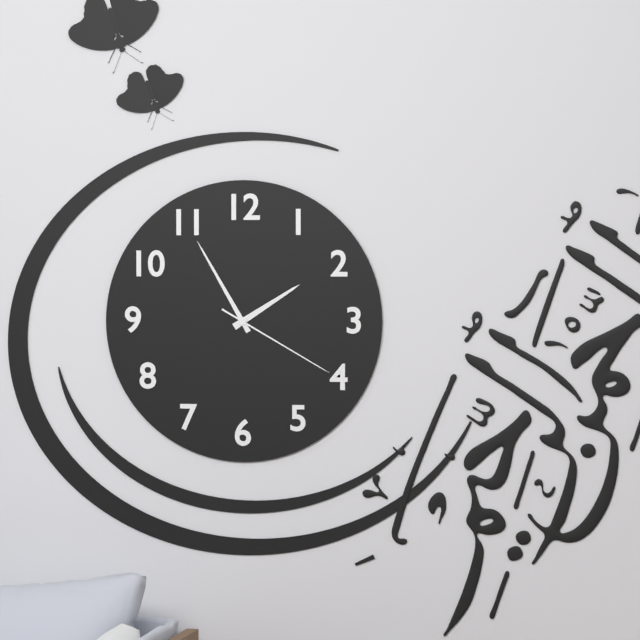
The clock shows 1:55:20
